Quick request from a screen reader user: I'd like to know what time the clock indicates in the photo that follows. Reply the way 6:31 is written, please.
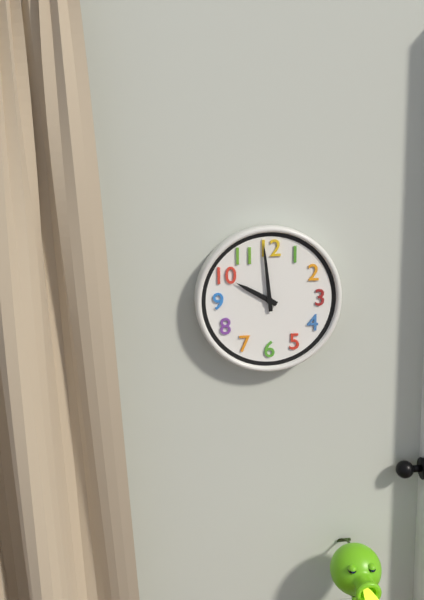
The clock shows 9:59
